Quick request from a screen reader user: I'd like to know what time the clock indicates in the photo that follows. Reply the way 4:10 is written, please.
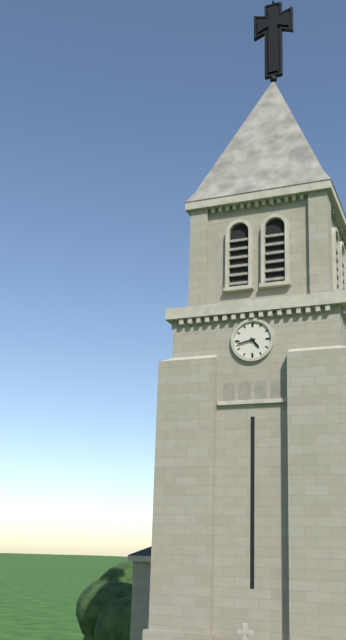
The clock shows 4:43
